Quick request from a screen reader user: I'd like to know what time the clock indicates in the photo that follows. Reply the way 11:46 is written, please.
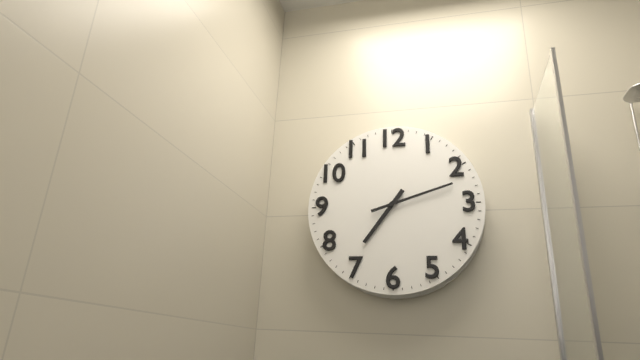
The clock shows 7:12
